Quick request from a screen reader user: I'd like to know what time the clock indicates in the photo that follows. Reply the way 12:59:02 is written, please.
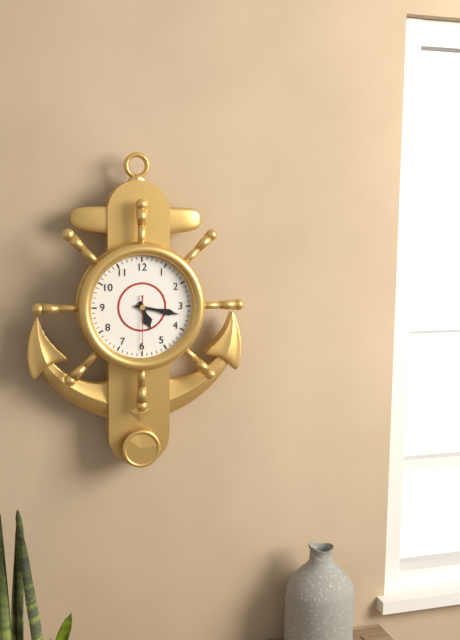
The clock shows 5:17:30
